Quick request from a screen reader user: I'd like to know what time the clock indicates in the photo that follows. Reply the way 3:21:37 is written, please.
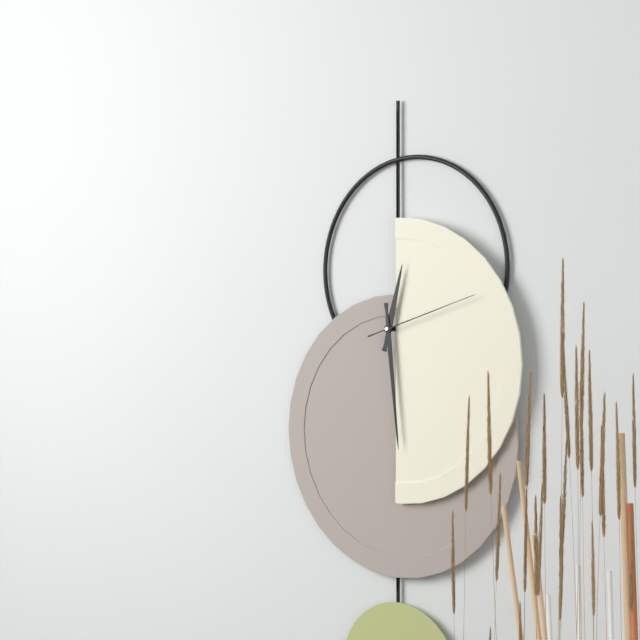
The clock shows 12:29:12
